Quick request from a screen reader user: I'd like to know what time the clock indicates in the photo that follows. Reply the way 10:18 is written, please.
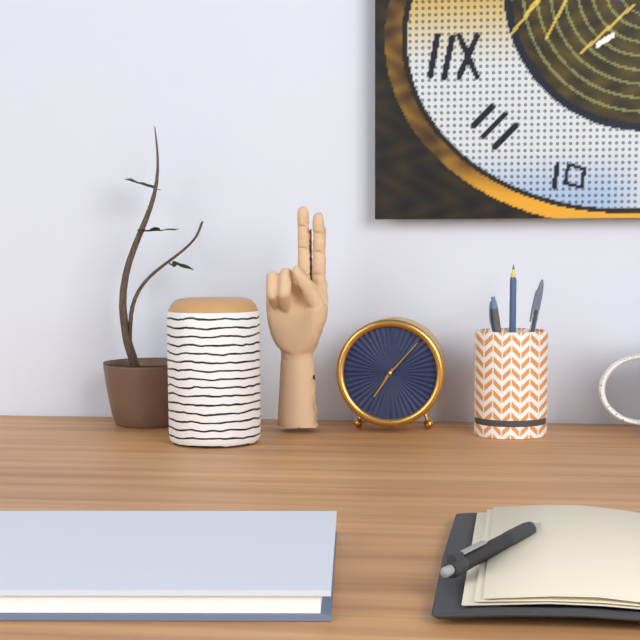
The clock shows 7:07
